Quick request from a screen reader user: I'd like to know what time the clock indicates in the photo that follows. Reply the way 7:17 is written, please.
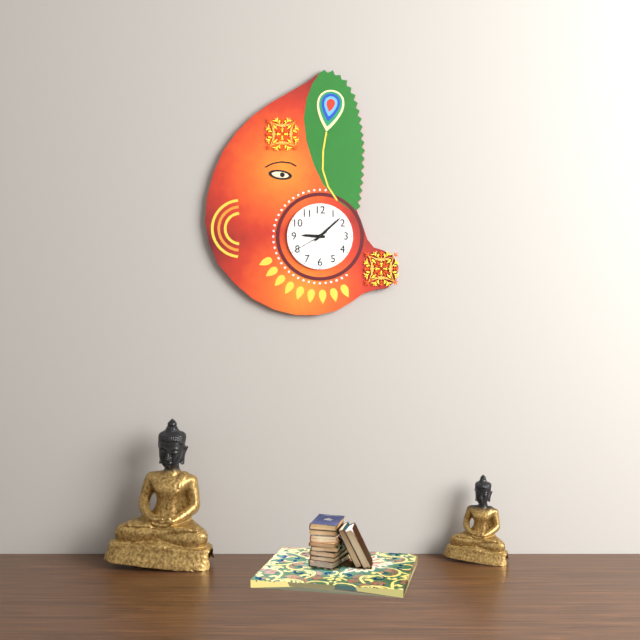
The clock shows 9:08
